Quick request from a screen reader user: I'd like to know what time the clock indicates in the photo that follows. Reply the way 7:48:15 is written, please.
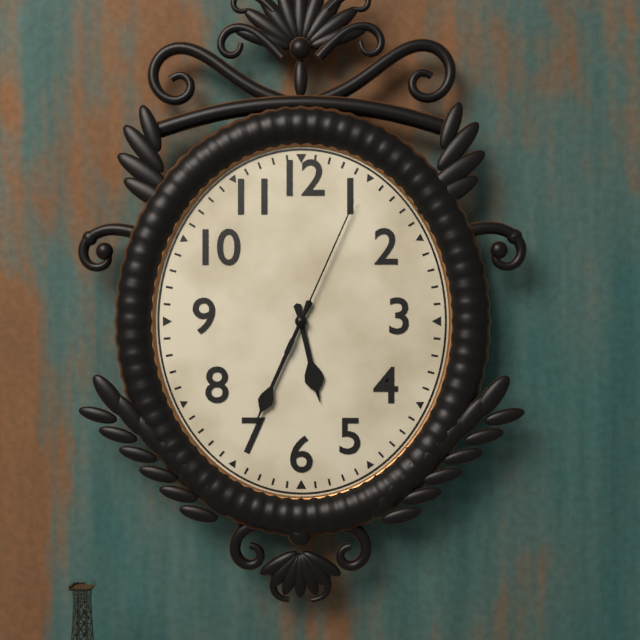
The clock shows 5:34:04
